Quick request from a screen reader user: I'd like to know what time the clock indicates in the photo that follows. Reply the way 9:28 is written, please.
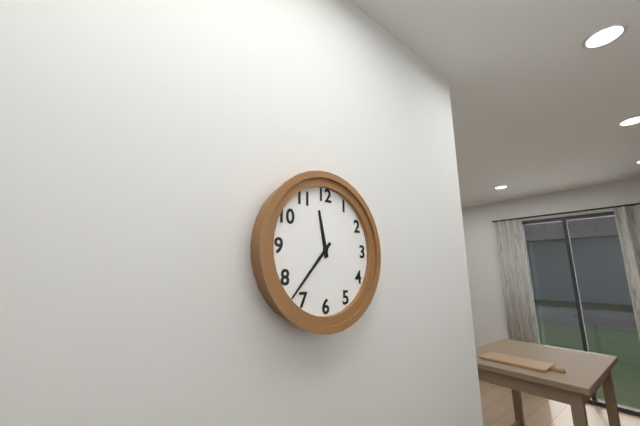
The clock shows 11:37
